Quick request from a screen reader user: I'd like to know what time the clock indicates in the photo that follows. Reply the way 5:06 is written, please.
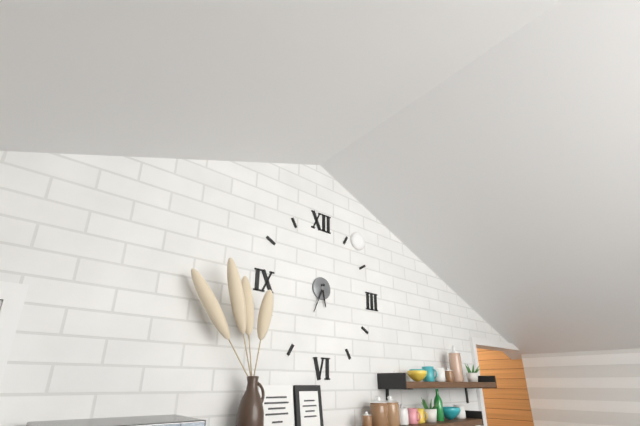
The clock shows 5:34
